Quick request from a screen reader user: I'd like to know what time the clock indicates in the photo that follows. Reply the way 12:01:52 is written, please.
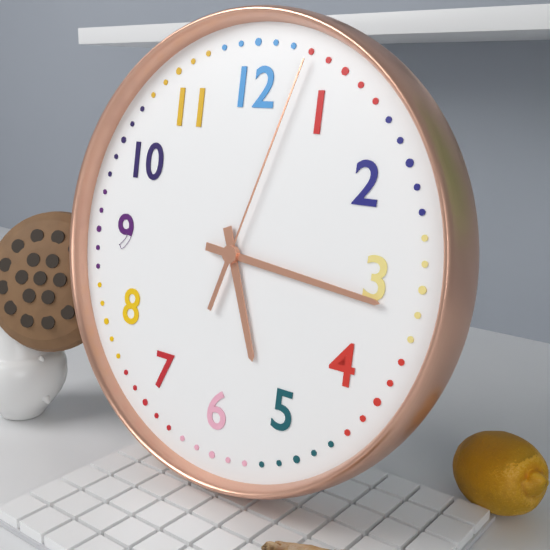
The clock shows 5:16:03
